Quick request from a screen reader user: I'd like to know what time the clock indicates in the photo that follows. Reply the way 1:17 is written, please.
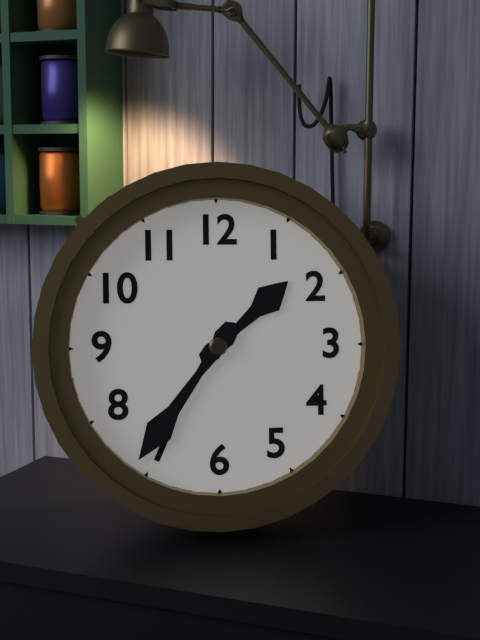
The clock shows 1:36
